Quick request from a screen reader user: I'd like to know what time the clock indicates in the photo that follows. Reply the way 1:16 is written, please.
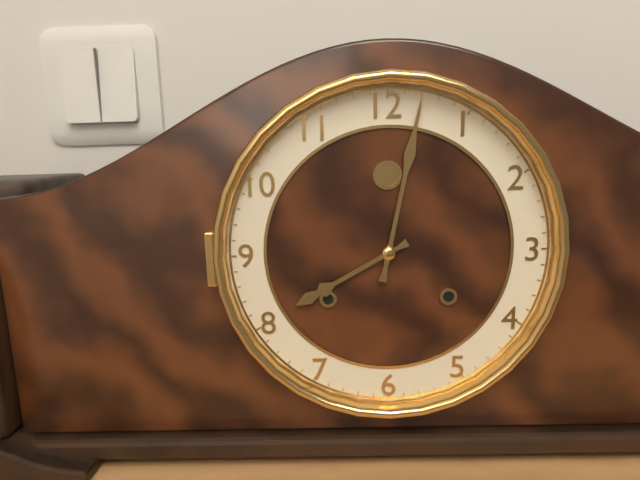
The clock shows 8:02
